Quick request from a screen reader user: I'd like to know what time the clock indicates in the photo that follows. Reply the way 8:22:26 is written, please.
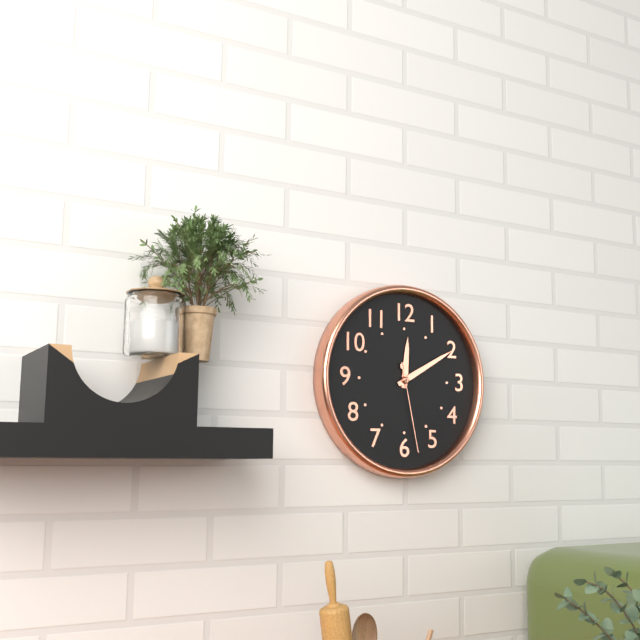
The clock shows 12:10:28
